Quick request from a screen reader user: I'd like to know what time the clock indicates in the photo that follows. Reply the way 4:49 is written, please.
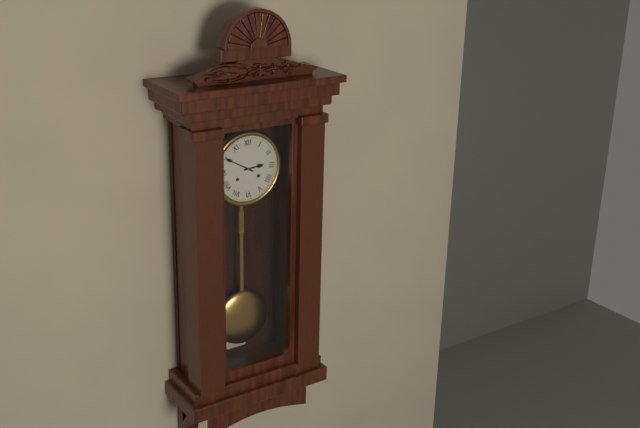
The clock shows 2:50
